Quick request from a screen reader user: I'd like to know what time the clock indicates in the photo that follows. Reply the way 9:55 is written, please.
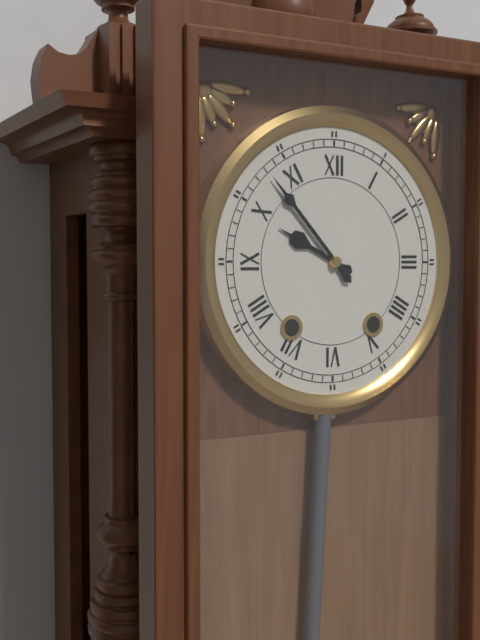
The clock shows 9:53
